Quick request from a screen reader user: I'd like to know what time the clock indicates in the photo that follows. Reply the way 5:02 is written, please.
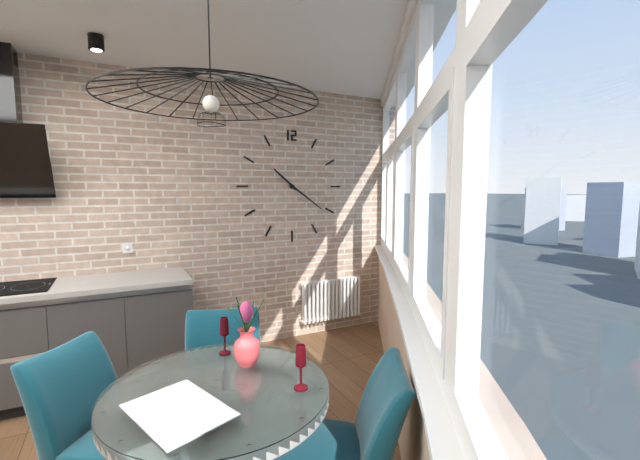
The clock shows 10:21
